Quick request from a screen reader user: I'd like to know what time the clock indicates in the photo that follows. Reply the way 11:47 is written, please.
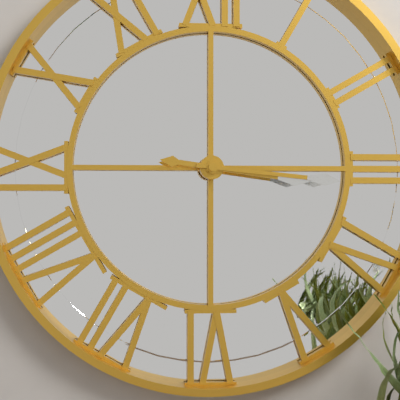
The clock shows 3:16
